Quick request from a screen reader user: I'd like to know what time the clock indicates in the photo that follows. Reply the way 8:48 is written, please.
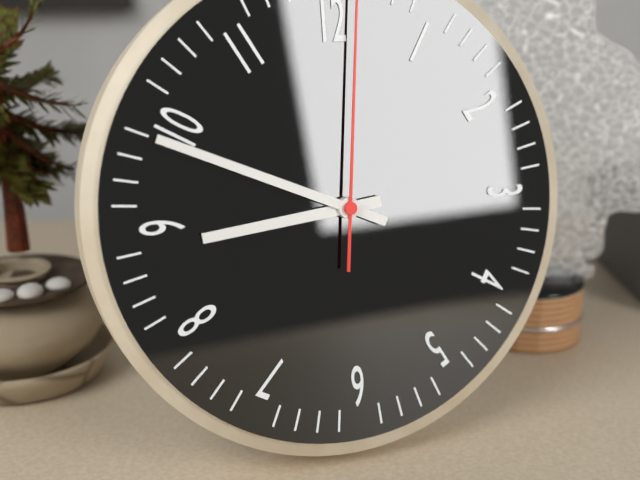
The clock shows 8:49
